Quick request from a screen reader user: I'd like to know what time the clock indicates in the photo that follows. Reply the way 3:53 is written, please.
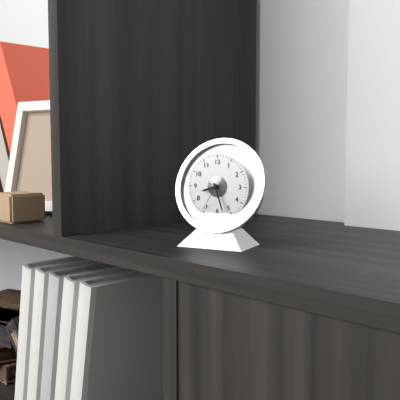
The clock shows 8:27
